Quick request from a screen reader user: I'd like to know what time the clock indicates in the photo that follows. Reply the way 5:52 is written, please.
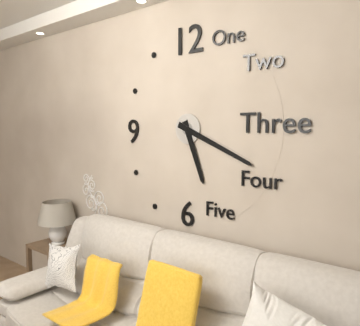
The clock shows 5:19
